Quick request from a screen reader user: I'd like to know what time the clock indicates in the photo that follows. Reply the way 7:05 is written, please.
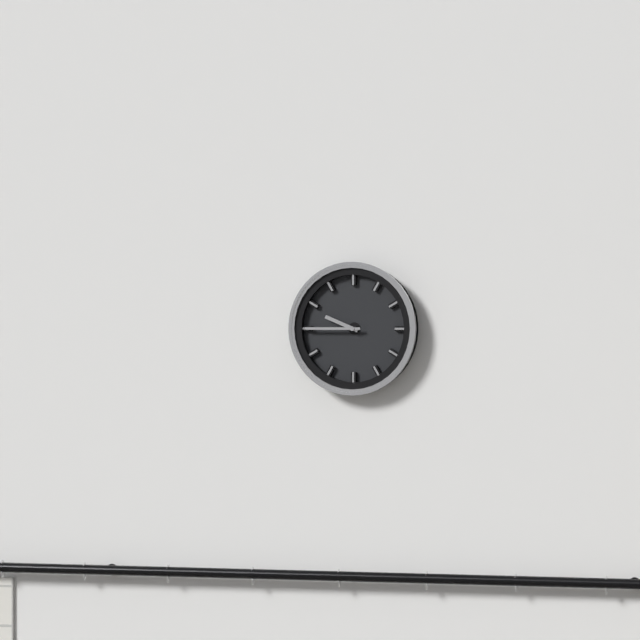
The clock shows 9:45
